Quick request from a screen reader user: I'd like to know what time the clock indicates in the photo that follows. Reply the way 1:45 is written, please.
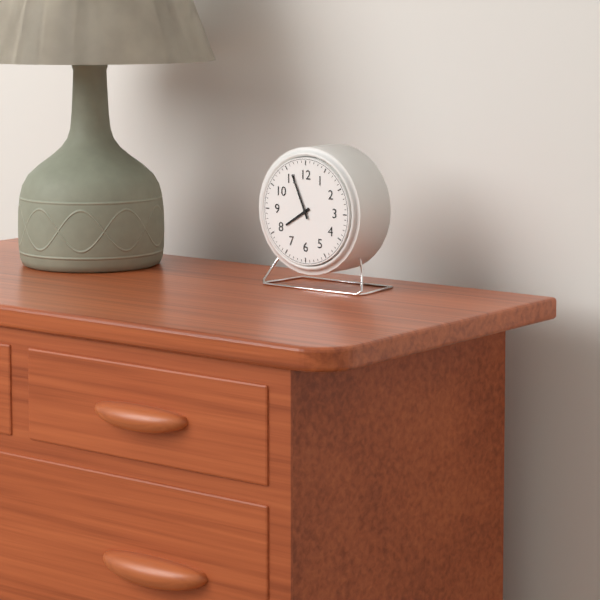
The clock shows 7:56
